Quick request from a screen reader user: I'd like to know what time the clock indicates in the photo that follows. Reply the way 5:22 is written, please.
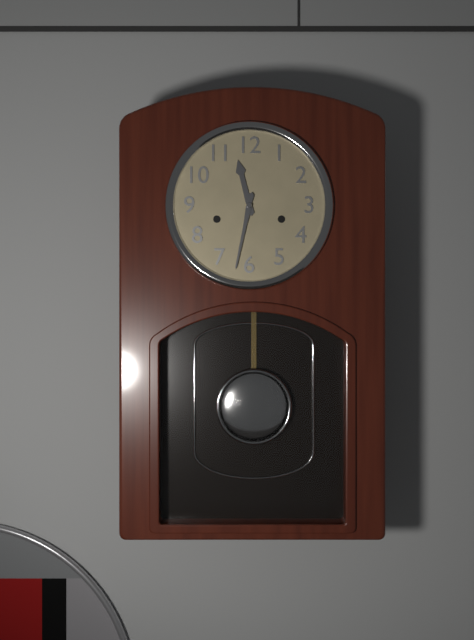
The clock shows 11:32
